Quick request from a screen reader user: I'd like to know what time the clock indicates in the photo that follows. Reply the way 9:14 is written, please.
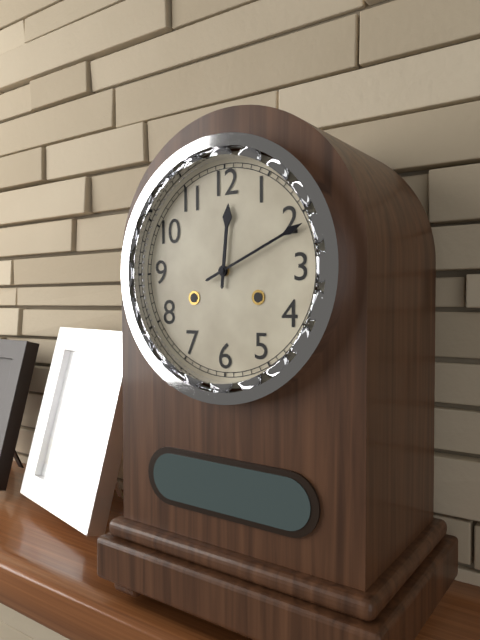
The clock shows 12:11
